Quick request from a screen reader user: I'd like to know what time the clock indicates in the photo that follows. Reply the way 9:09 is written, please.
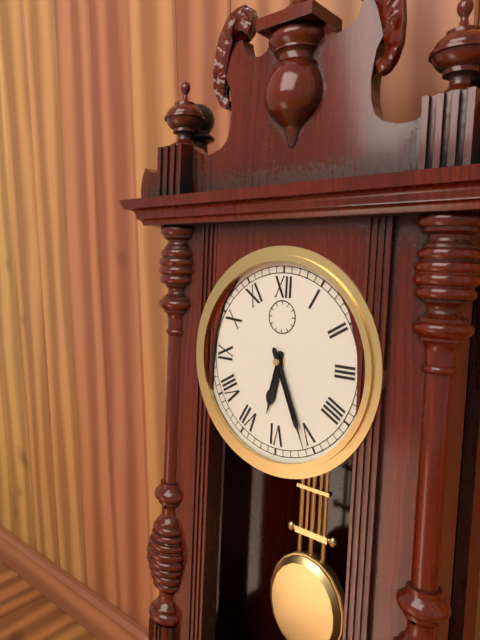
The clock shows 6:26
